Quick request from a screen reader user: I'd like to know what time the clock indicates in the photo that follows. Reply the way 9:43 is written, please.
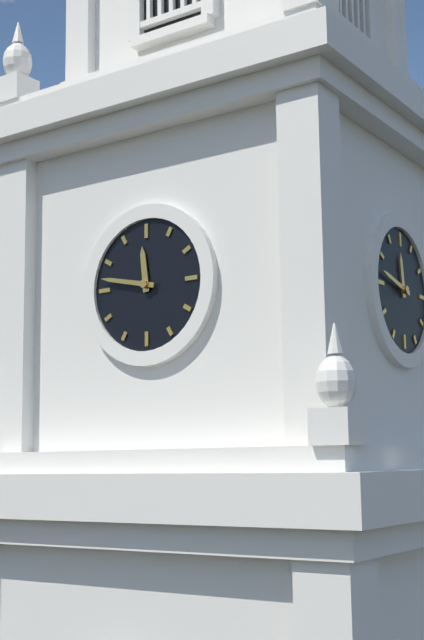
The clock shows 11:47
